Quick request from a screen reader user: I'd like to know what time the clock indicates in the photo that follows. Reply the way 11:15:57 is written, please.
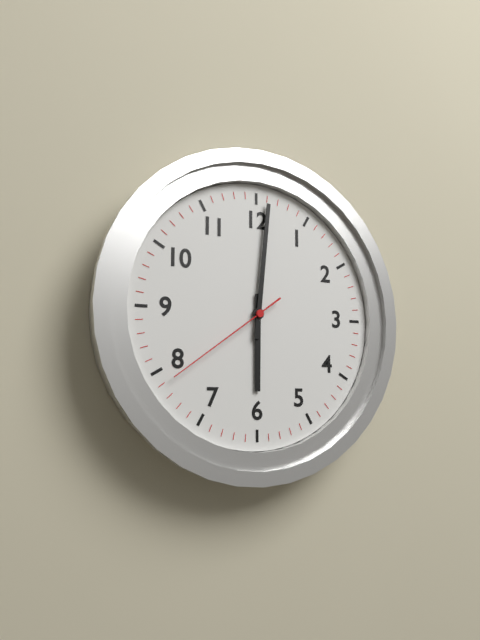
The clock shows 6:01:39
